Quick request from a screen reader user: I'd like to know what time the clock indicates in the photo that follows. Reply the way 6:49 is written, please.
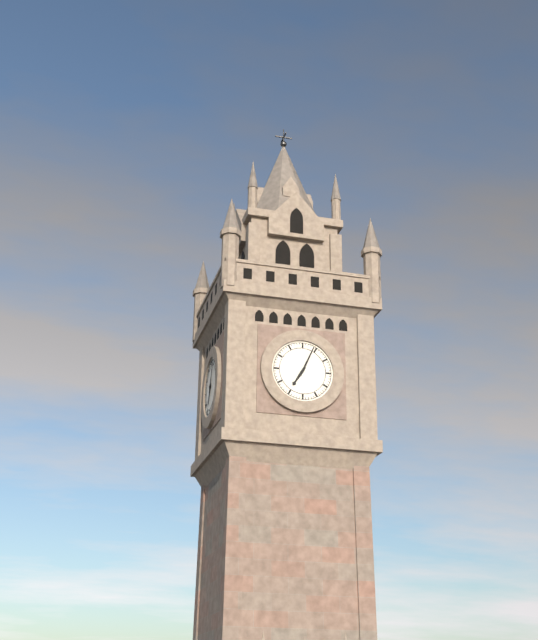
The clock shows 7:04
